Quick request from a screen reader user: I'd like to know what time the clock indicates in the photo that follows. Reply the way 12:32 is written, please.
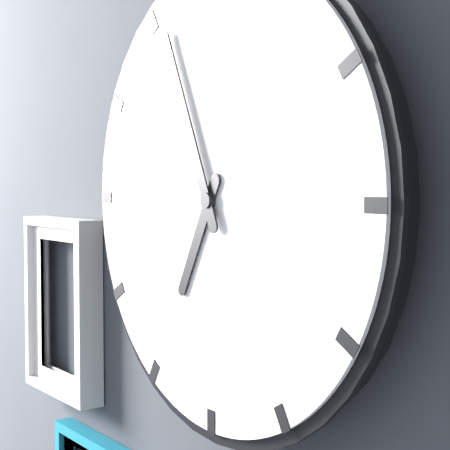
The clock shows 6:56
